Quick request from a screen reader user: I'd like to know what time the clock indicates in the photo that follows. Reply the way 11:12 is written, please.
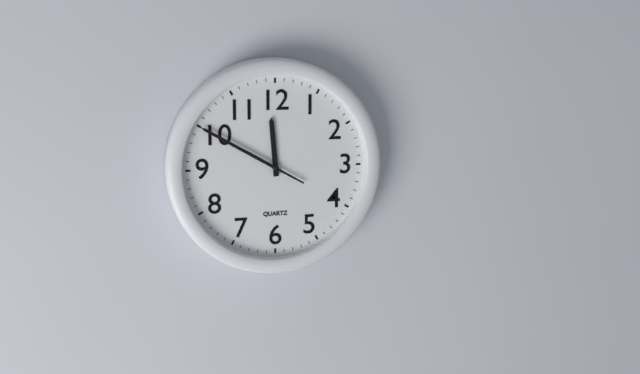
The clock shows 11:50
